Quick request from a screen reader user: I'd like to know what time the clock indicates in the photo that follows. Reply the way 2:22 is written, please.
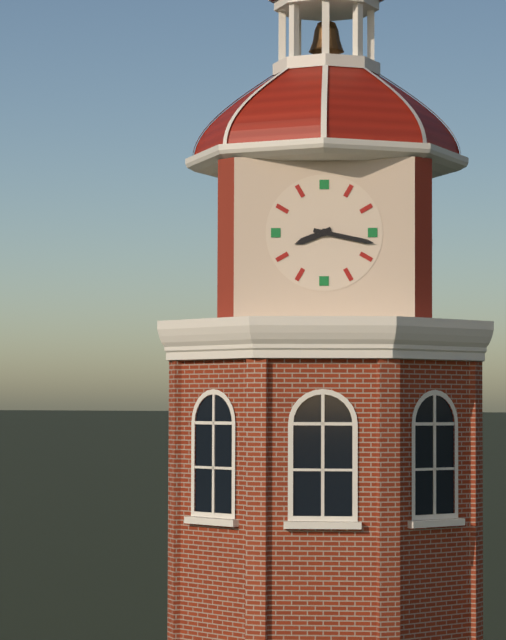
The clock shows 8:17
